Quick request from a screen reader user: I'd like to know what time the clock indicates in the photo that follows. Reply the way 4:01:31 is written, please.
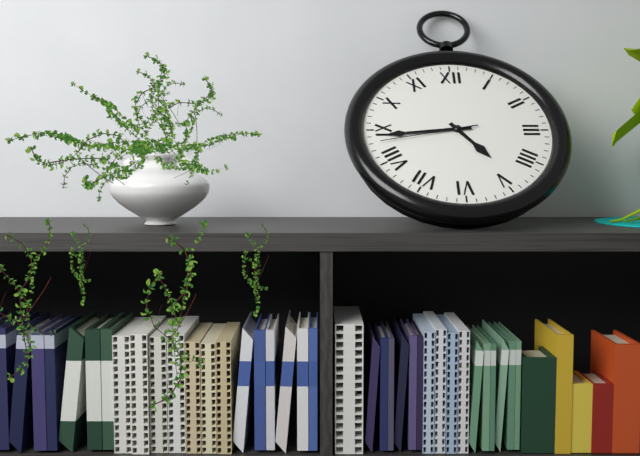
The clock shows 4:44:43
